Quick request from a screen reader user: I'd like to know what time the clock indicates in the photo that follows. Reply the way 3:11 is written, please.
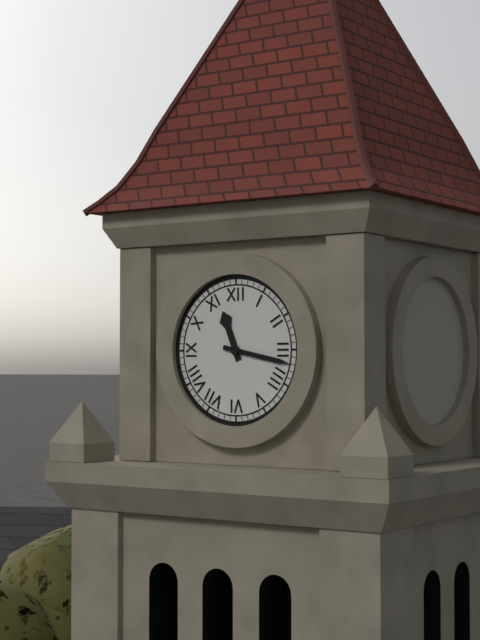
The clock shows 11:17
